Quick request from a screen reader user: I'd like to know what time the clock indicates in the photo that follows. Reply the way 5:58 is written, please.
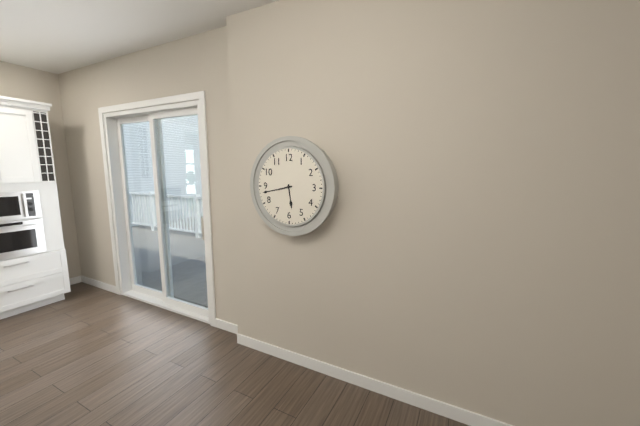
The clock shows 5:43
